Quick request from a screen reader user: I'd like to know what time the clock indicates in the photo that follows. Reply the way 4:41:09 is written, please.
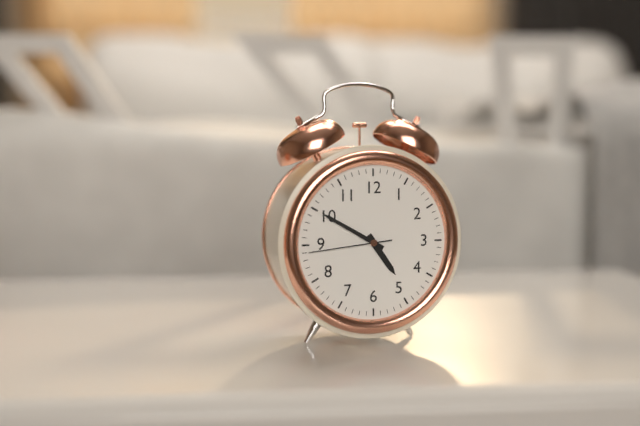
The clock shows 4:50:44
